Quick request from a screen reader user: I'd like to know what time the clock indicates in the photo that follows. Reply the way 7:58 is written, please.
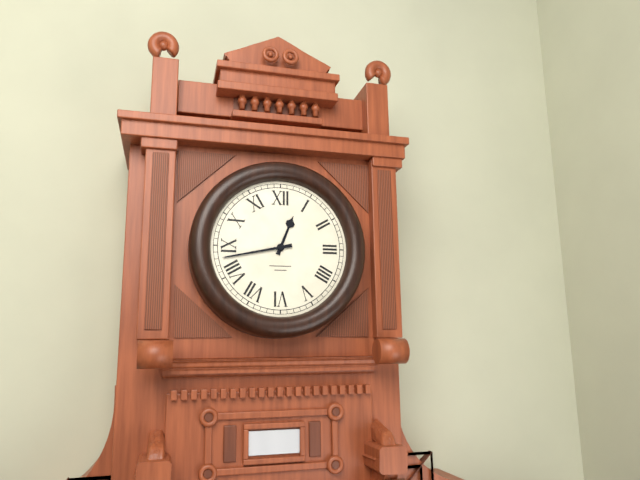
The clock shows 12:43
